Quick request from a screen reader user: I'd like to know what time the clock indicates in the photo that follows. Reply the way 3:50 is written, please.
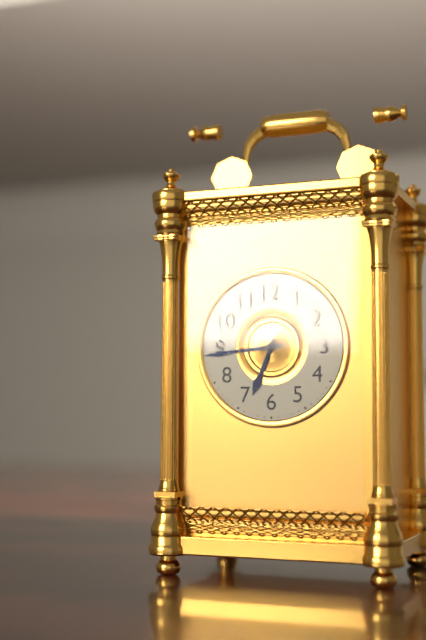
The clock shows 6:44
